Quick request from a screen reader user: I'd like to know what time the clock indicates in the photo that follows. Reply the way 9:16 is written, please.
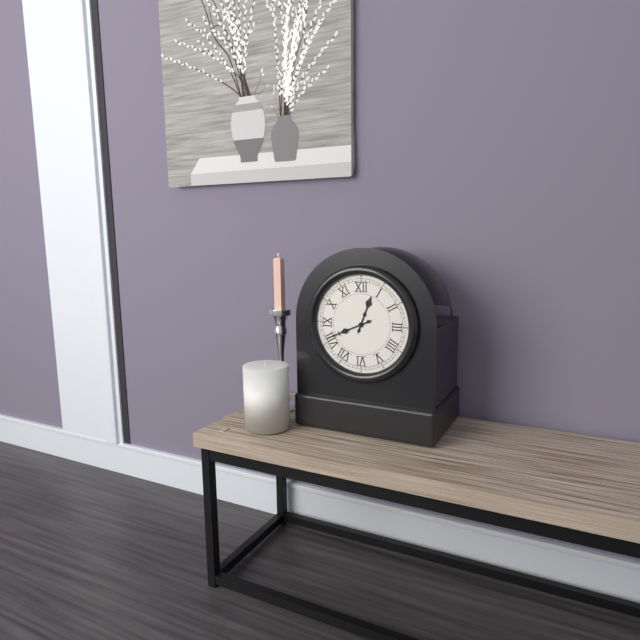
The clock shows 12:41
